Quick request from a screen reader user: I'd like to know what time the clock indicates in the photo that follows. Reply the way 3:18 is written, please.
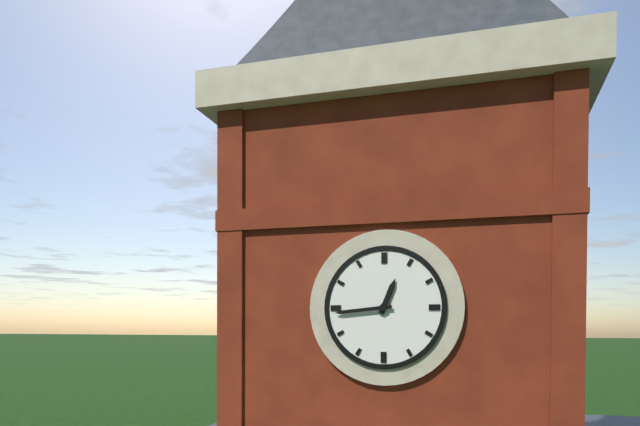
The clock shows 12:44
